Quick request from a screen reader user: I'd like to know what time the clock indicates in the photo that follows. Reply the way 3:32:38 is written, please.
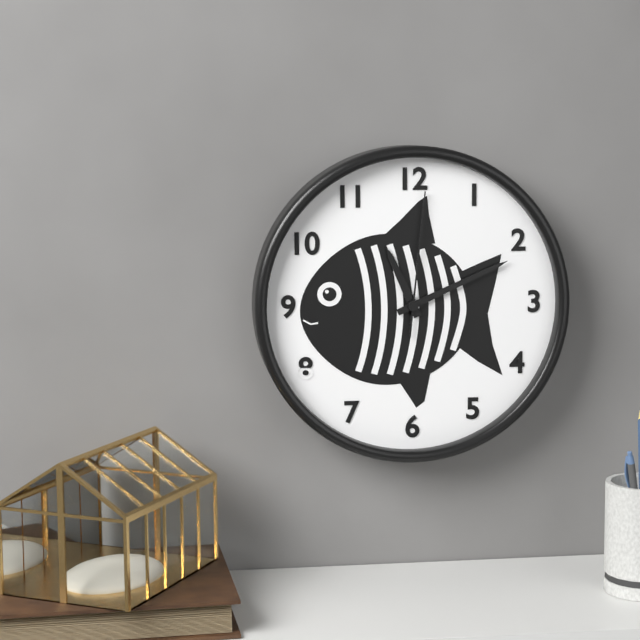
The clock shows 11:11:01
